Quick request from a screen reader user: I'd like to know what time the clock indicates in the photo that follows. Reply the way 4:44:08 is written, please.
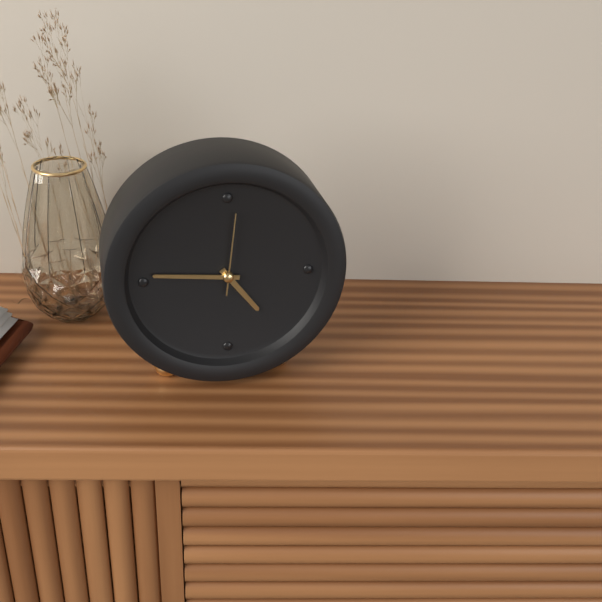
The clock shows 4:46:01
